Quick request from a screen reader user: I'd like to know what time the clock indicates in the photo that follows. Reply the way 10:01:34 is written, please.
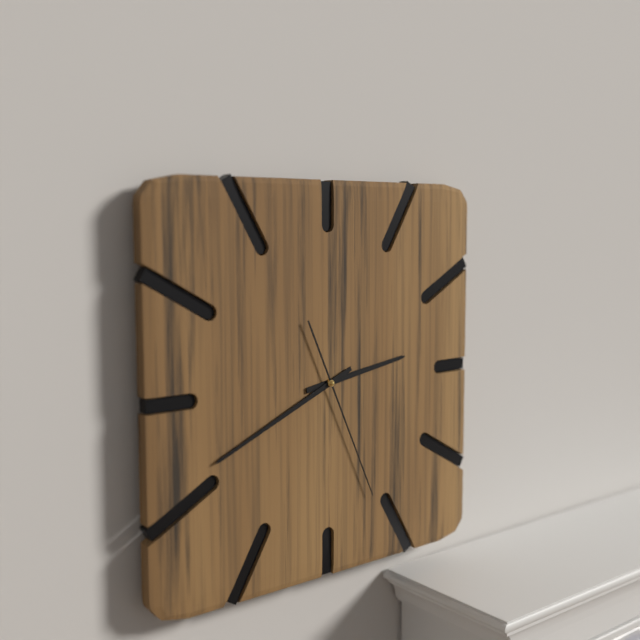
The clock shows 2:41:26
